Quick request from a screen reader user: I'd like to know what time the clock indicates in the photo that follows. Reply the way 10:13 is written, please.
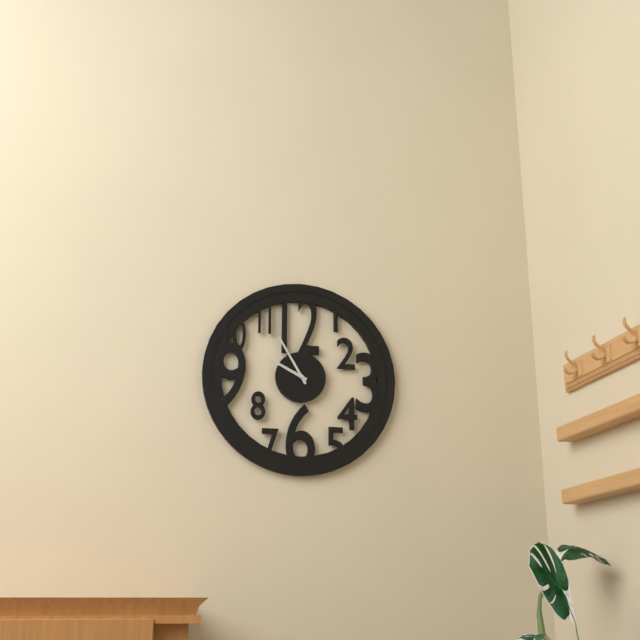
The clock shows 9:55
